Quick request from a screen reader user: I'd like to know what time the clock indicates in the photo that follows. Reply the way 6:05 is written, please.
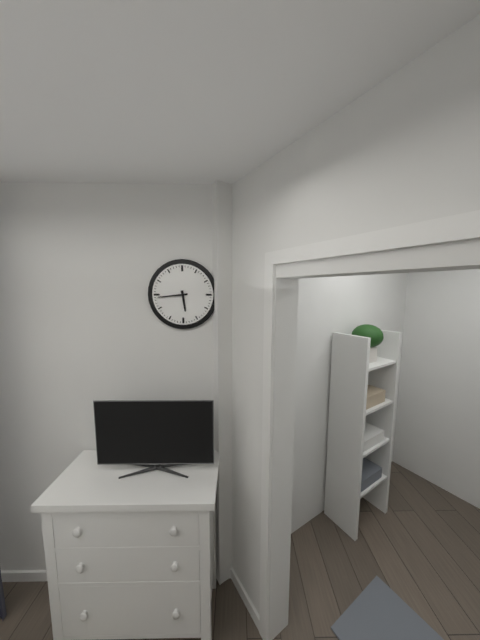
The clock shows 5:44
